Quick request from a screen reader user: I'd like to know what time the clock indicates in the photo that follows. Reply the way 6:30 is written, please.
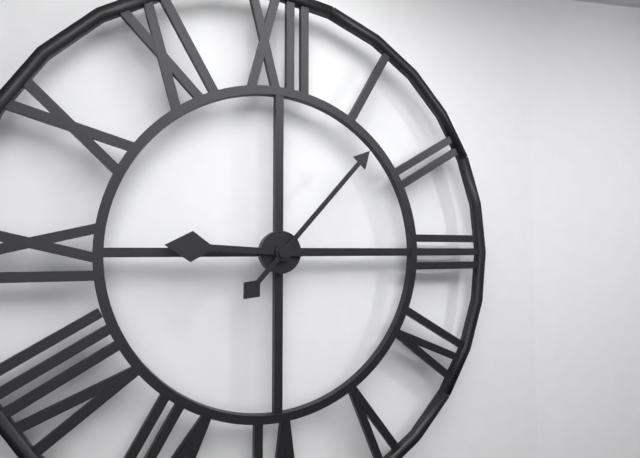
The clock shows 9:07
